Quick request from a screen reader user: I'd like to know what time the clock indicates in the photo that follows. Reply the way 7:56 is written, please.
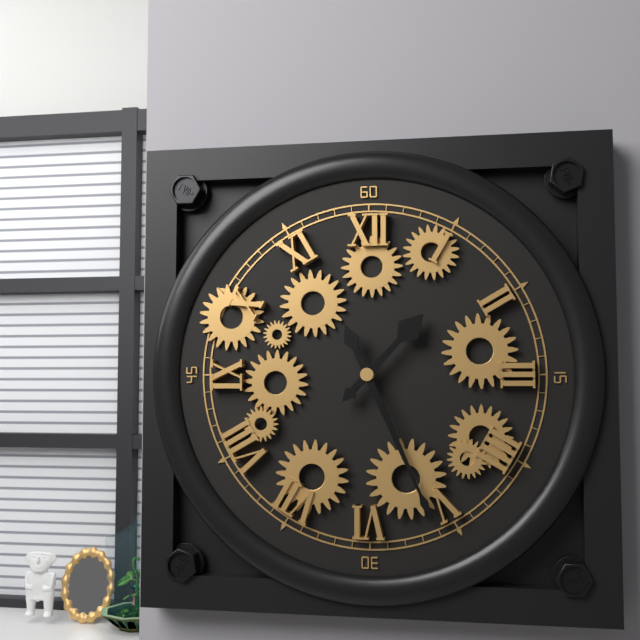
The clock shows 1:26
